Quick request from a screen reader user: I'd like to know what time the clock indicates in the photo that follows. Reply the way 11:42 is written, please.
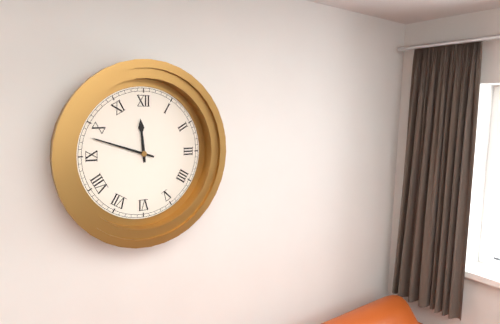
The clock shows 11:48
